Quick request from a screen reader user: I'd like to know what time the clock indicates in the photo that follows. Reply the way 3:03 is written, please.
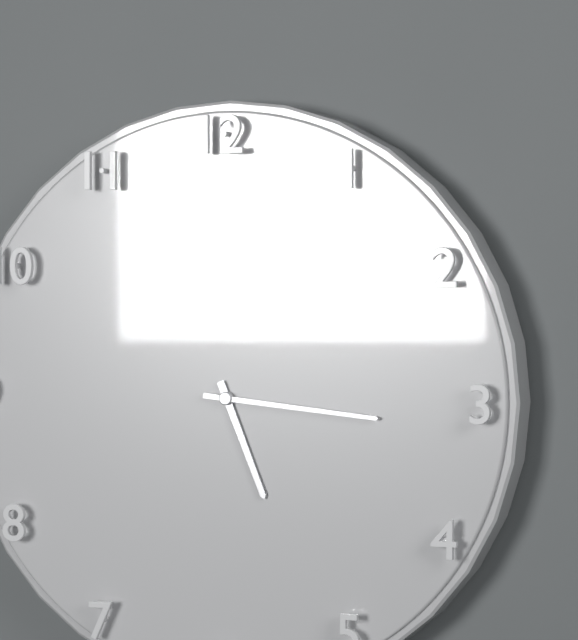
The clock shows 5:16
